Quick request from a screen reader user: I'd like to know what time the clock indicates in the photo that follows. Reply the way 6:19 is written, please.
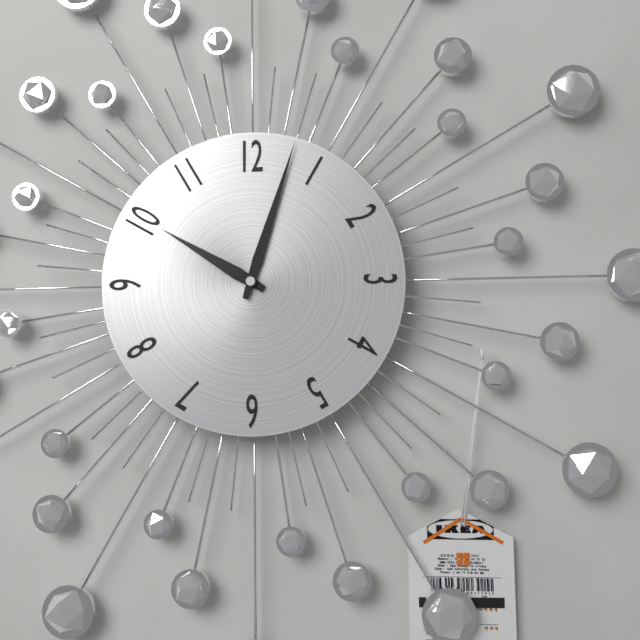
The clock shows 10:03
